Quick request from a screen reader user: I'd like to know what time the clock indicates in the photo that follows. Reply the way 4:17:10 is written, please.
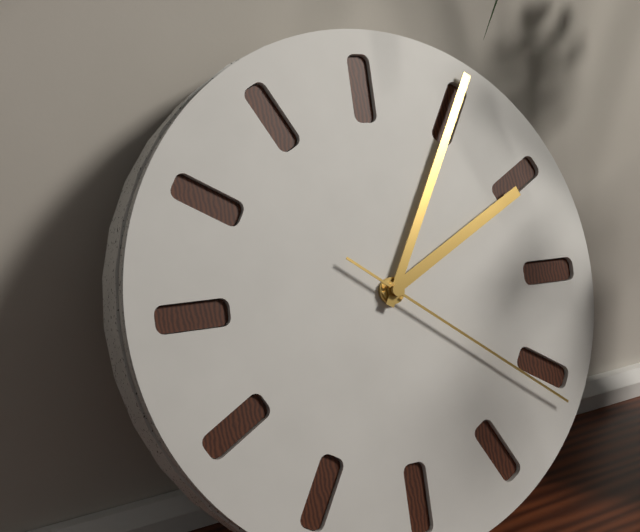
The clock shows 2:05:21
